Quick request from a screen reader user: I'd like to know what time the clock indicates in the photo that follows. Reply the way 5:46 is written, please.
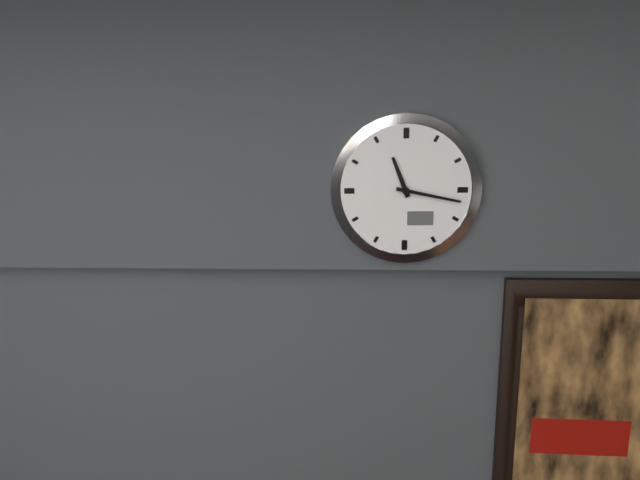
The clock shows 11:17
